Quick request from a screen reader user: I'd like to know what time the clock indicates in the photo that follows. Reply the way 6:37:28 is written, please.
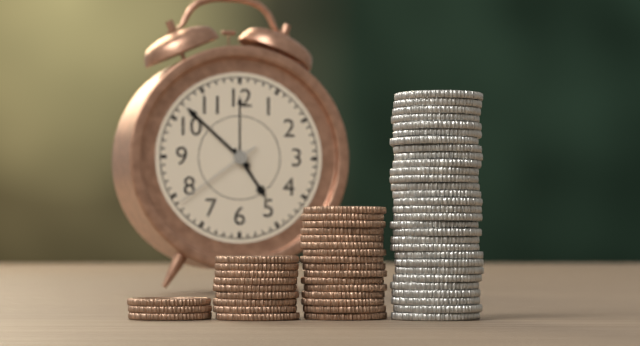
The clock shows 4:52:39
